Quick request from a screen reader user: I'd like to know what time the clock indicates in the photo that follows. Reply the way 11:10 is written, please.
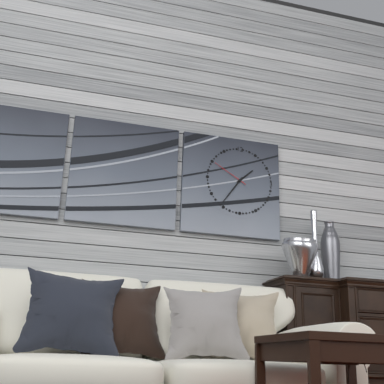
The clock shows 1:36
